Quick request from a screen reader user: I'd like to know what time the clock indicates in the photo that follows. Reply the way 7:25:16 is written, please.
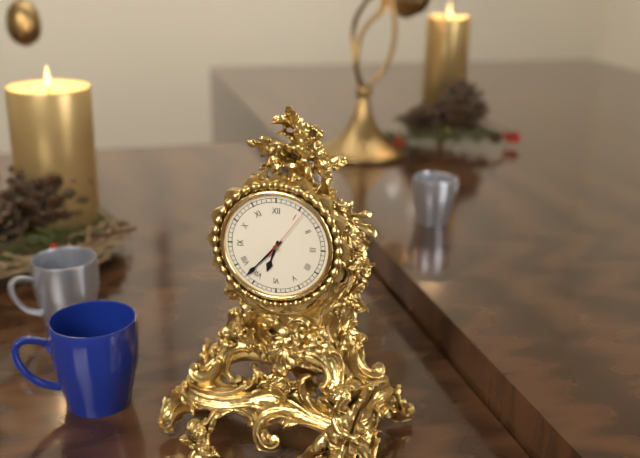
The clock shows 6:37:06
